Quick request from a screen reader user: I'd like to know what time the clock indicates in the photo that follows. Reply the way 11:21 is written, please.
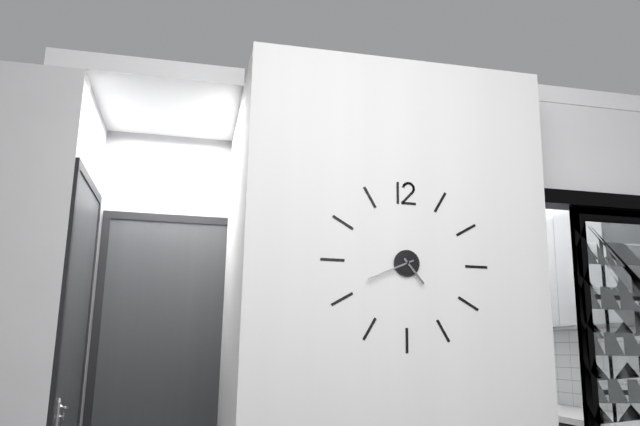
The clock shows 4:41
